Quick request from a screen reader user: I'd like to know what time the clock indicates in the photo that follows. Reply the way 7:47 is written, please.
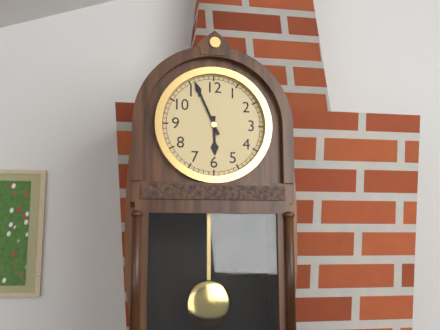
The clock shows 5:56
